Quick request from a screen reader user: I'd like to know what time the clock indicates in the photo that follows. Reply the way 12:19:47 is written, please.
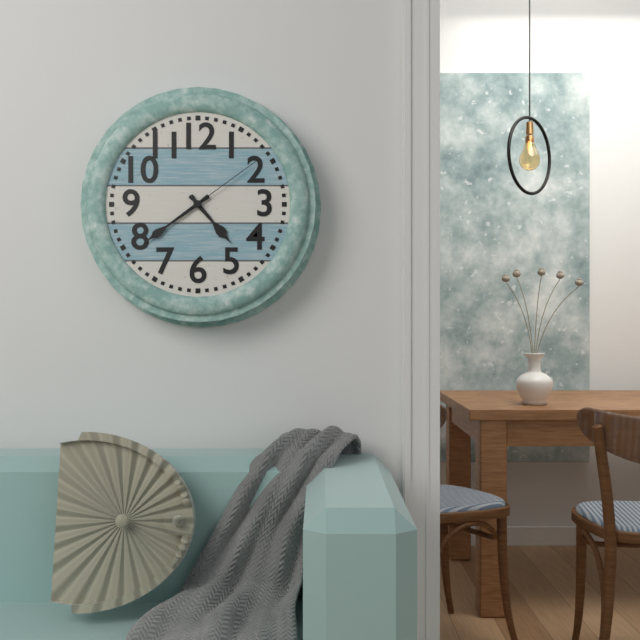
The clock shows 4:39:09
